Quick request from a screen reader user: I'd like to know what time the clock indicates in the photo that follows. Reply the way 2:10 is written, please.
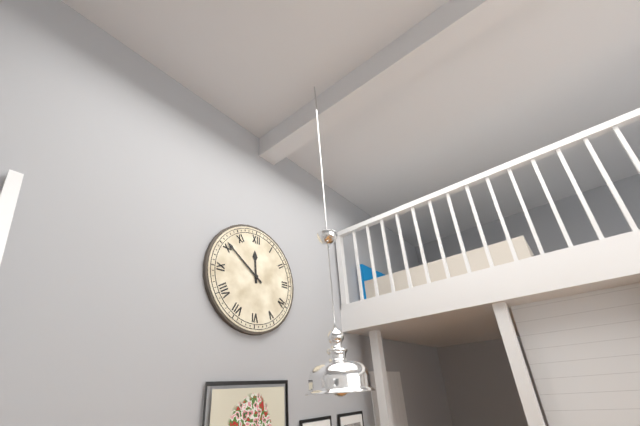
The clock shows 11:51
